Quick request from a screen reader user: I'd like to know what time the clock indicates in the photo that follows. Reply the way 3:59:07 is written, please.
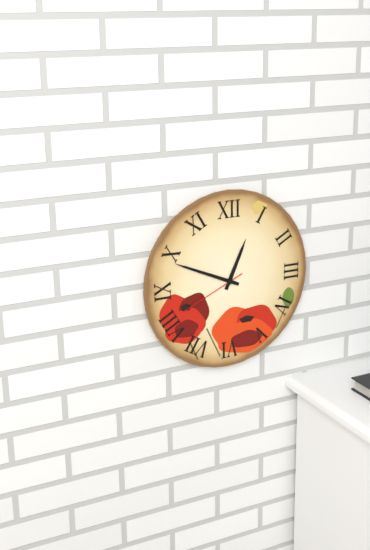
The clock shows 12:49:41
